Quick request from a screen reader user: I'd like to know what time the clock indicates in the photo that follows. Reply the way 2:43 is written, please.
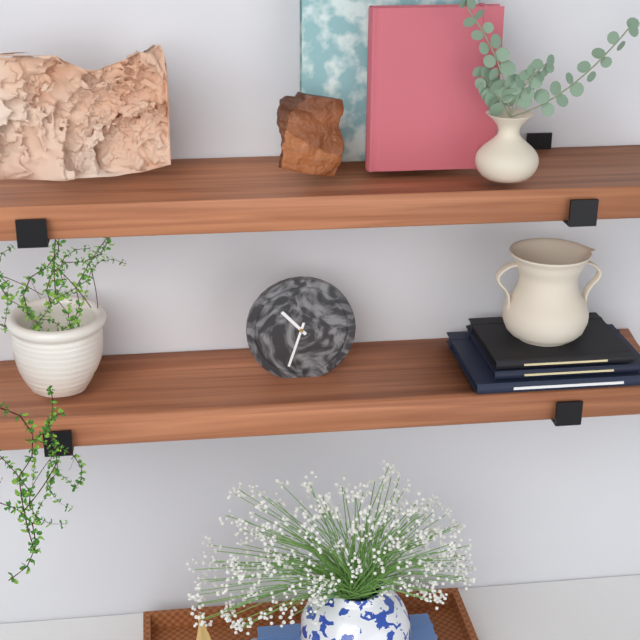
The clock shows 10:33
